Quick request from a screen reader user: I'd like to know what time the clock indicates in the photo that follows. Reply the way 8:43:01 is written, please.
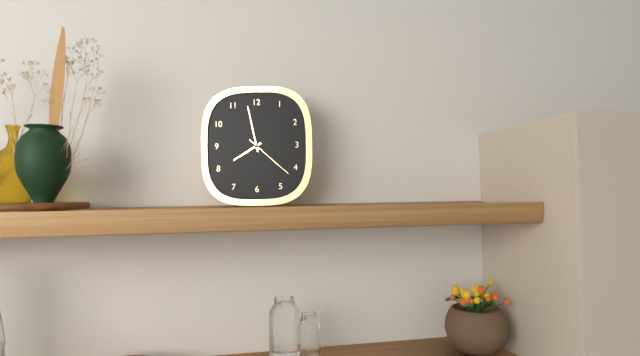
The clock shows 7:58:22
